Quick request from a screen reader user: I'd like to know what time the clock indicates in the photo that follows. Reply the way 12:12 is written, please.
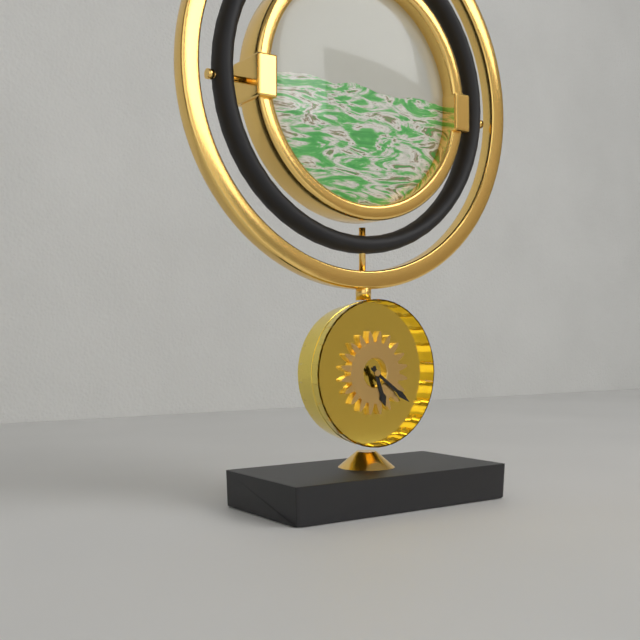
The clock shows 5:21
